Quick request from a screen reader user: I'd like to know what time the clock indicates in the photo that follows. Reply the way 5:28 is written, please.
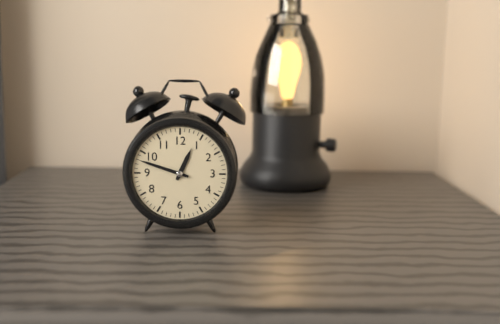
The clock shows 12:48
